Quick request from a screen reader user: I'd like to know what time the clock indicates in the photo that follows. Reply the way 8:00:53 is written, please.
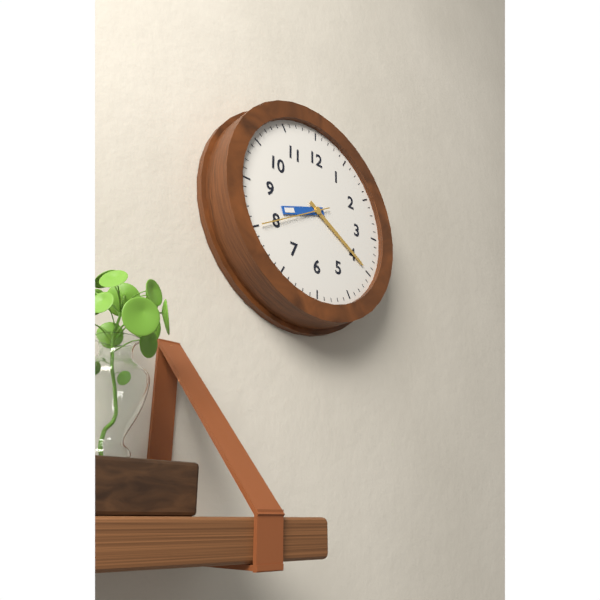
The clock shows 8:20:40
